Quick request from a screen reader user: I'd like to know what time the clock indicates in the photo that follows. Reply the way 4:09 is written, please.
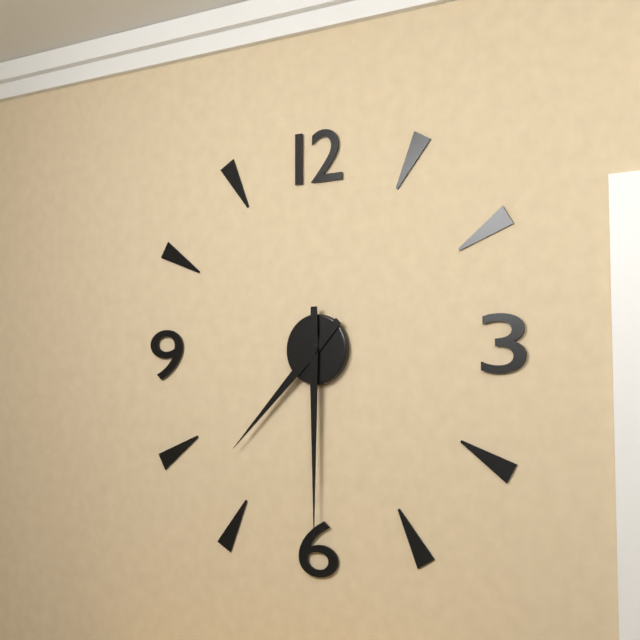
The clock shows 7:30
